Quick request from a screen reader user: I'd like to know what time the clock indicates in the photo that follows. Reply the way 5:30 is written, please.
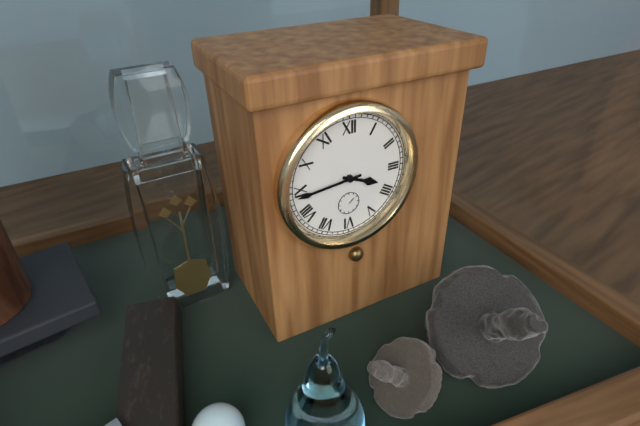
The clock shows 3:44
